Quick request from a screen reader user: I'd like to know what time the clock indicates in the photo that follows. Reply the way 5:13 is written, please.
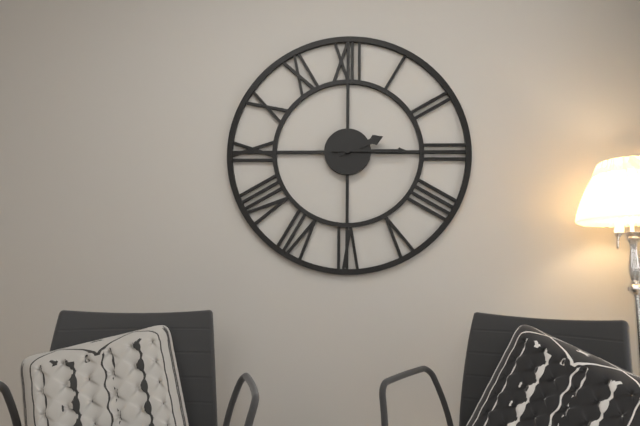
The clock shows 2:15
